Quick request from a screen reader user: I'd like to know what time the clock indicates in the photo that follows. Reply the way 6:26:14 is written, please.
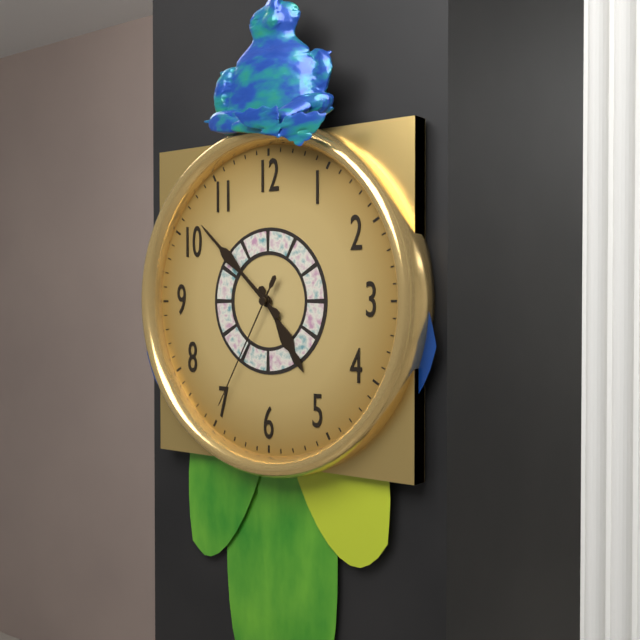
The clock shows 4:52:35
